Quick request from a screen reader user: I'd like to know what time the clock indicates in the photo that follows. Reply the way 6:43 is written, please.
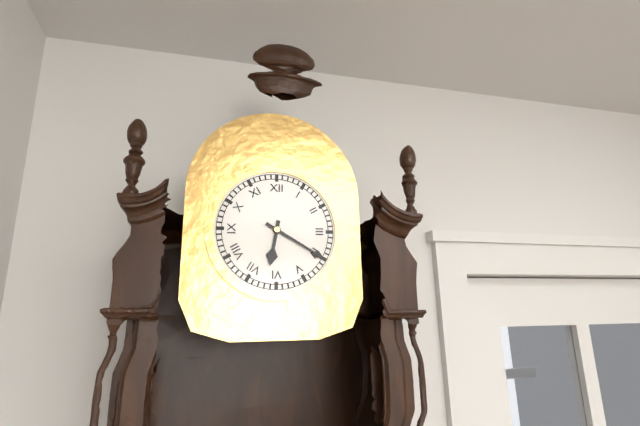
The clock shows 6:20
